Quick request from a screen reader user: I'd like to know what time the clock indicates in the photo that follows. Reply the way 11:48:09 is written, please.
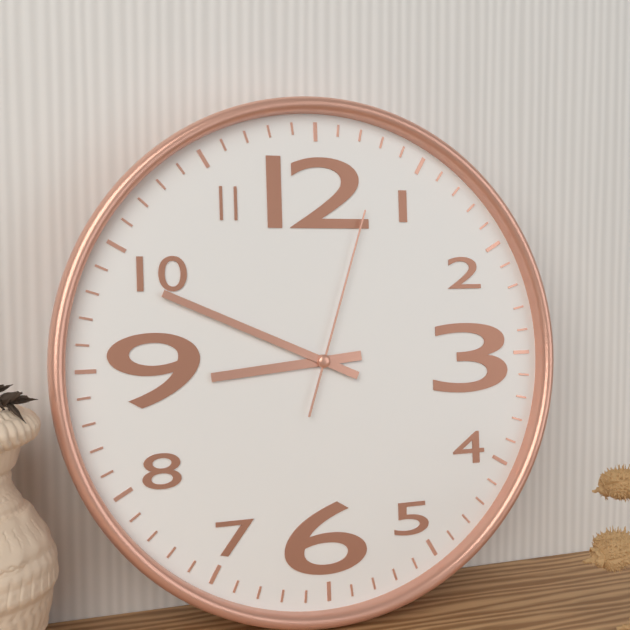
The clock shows 8:49:03
